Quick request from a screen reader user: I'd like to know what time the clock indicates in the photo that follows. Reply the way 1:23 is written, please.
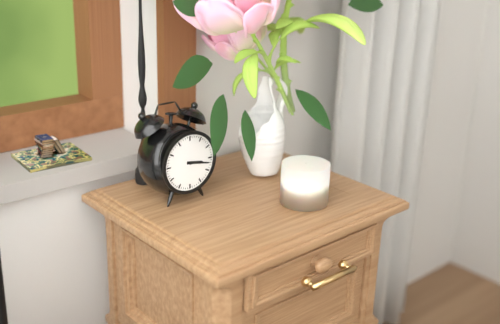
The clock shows 3:17
